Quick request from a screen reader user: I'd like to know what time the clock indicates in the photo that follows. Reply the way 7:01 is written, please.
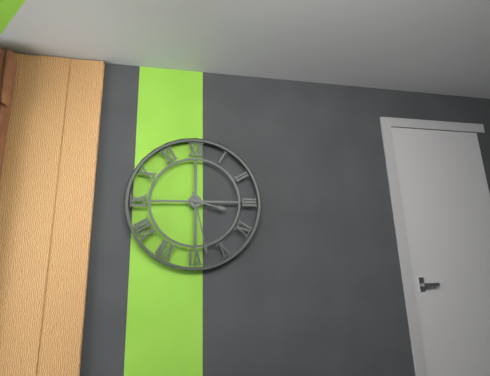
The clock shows 3:28
